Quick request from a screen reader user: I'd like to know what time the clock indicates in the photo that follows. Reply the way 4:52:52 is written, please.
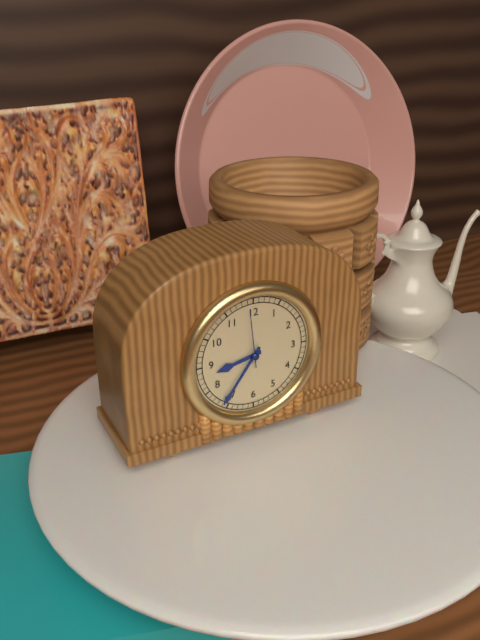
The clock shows 8:36:59
